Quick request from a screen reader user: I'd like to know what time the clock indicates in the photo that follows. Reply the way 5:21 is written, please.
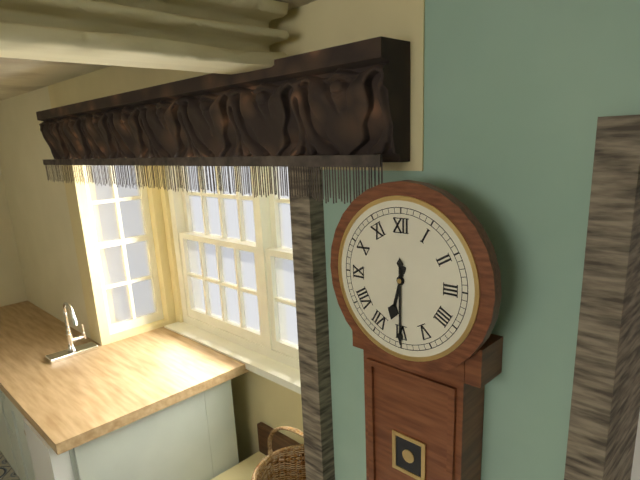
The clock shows 6:30
